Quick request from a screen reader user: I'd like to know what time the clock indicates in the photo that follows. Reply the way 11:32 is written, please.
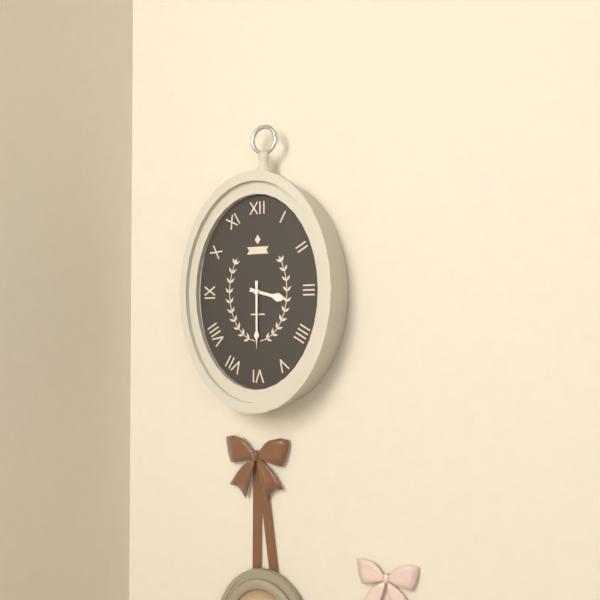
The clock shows 3:30
